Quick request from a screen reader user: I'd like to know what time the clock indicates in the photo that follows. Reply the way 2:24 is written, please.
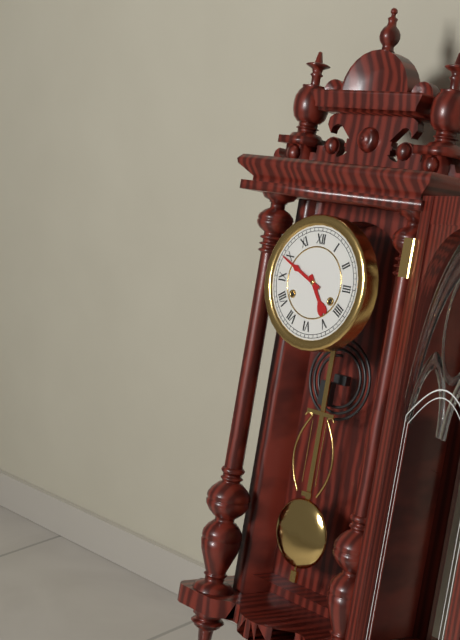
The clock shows 4:49
